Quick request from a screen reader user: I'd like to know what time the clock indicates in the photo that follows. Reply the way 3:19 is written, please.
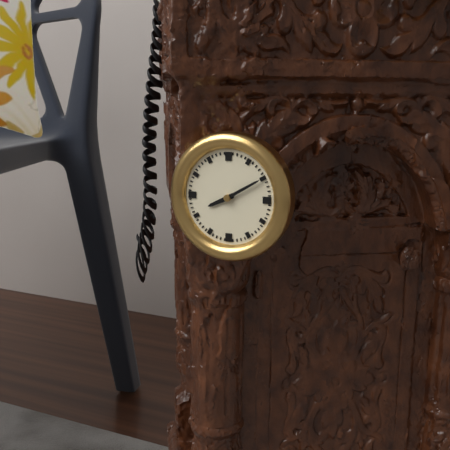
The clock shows 8:10
